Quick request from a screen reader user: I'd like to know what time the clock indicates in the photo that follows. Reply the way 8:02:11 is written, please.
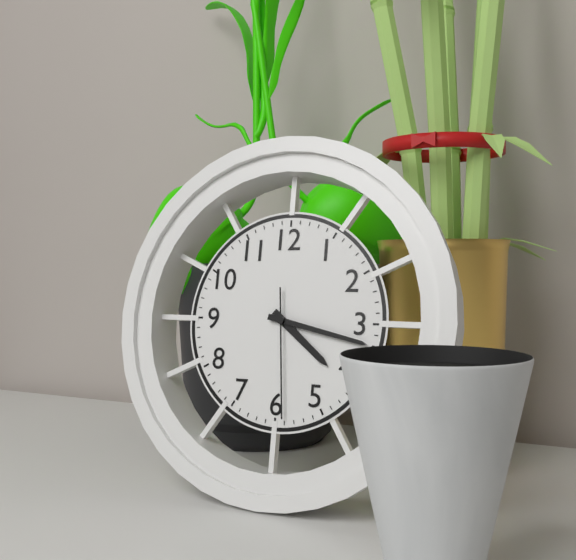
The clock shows 4:17:29
